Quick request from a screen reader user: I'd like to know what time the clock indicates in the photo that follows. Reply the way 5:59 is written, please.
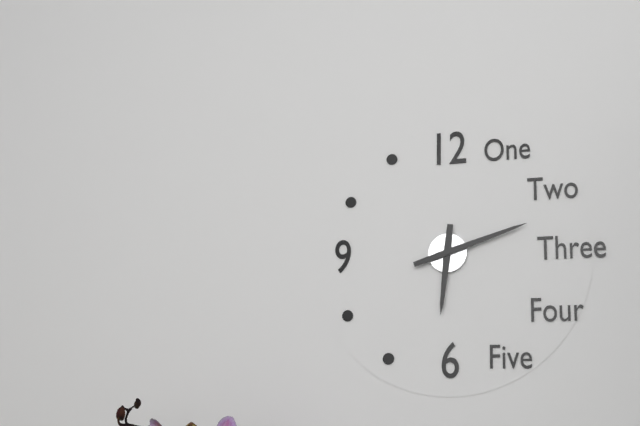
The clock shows 6:12
